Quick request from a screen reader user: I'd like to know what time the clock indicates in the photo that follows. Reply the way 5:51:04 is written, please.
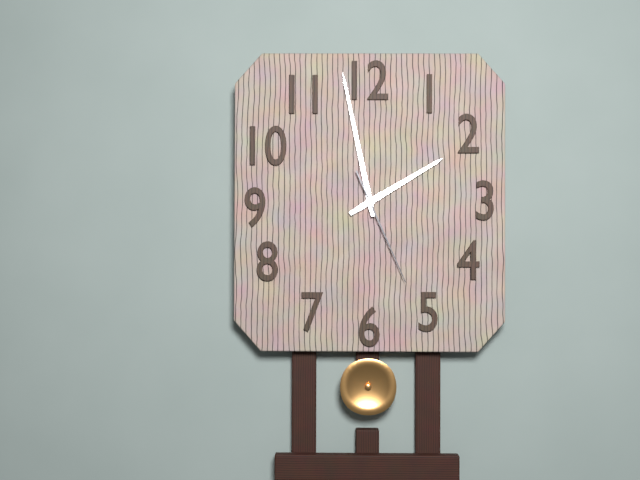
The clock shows 1:58:26
